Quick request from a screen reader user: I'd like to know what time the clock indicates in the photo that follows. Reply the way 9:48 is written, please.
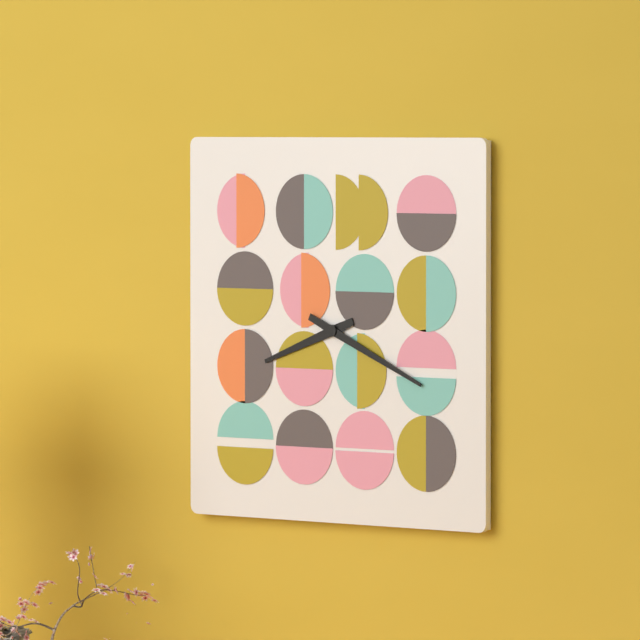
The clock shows 8:19
